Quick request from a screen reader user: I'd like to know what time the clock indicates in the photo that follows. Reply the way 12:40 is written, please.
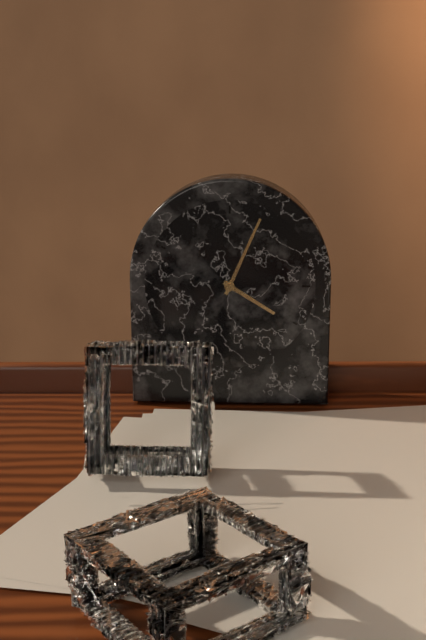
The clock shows 4:04
